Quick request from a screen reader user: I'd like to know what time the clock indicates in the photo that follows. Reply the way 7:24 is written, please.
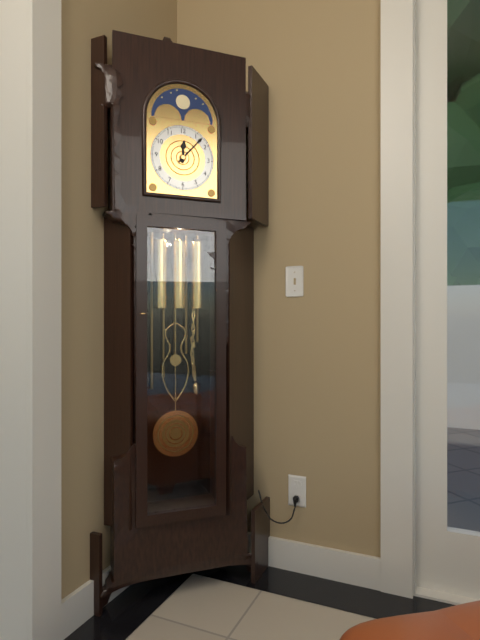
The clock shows 12:07
